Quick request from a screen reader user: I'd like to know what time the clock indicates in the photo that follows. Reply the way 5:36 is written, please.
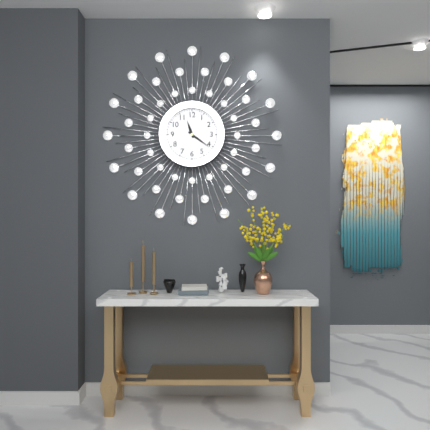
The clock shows 11:21
